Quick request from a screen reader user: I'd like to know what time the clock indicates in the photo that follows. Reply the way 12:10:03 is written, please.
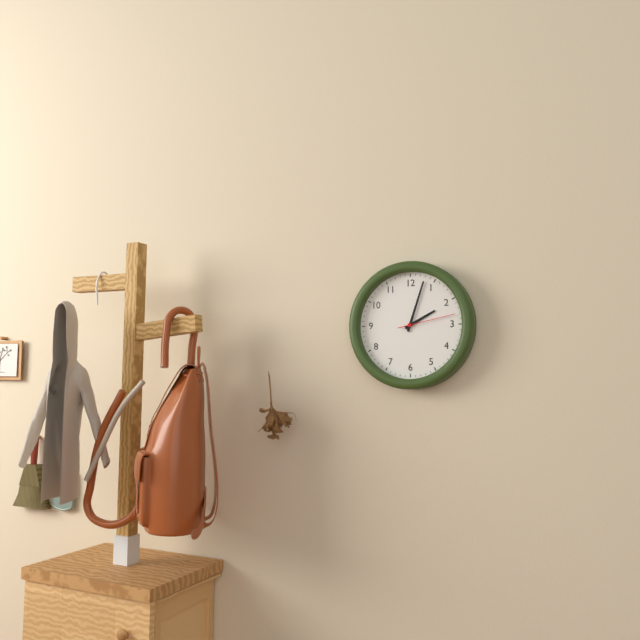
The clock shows 2:03:13
